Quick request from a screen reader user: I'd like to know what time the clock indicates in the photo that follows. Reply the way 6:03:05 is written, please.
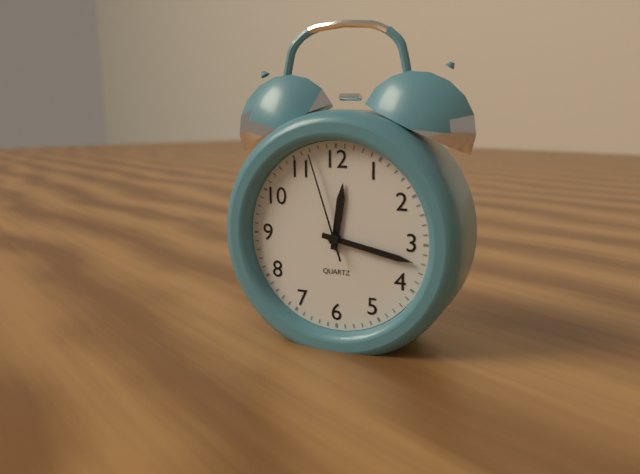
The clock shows 12:17:57
